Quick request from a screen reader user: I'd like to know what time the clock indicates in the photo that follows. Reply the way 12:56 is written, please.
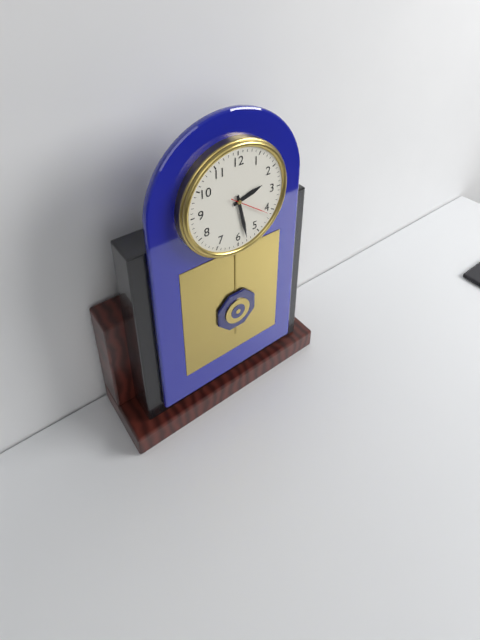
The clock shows 2:28
